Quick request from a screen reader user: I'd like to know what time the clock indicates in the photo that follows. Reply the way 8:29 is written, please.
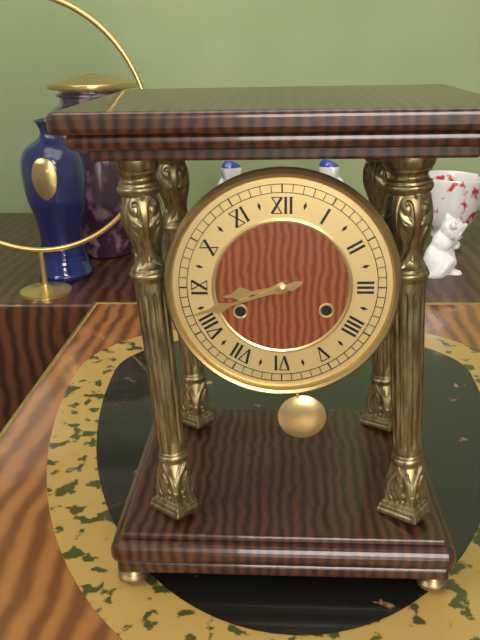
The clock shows 8:42
